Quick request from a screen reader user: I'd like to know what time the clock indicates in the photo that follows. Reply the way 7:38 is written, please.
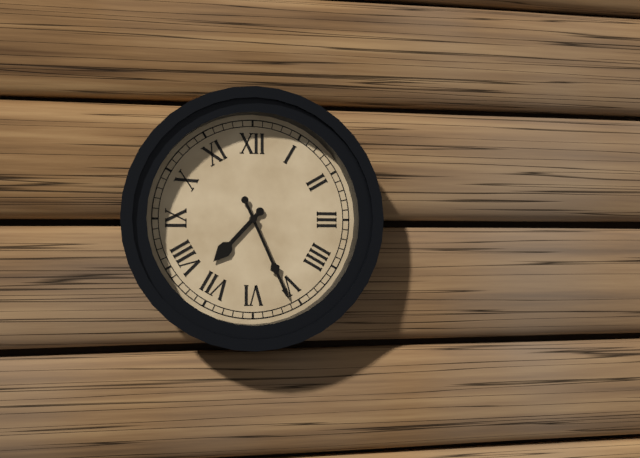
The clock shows 7:26
